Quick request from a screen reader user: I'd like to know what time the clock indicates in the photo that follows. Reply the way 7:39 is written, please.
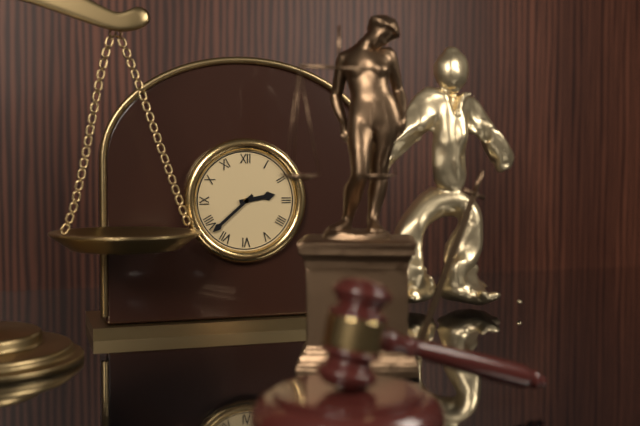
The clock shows 2:38
